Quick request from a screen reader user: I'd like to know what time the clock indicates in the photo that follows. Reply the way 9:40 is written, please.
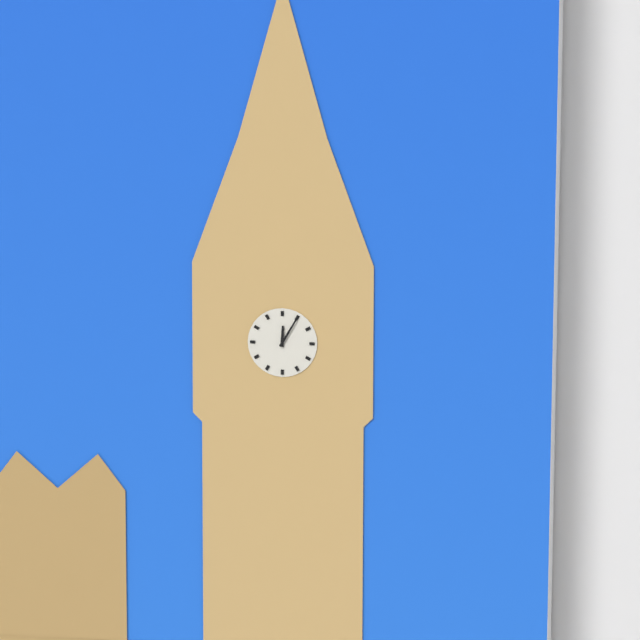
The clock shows 12:05
